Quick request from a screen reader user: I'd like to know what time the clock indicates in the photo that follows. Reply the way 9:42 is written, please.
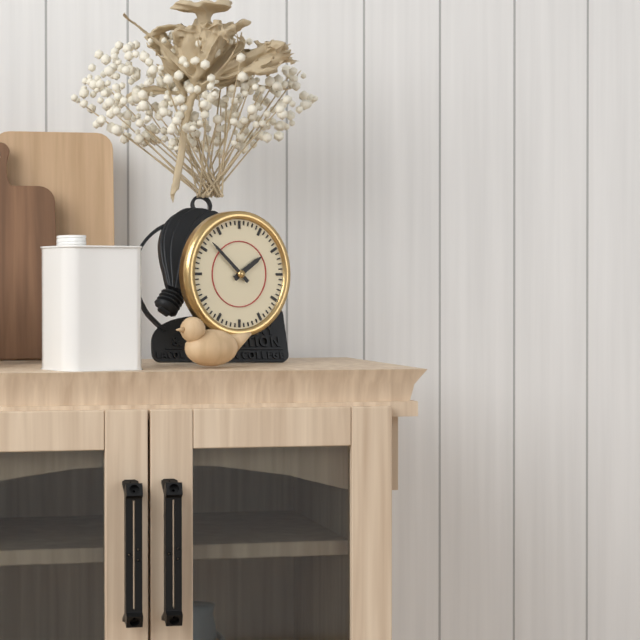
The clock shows 1:52
